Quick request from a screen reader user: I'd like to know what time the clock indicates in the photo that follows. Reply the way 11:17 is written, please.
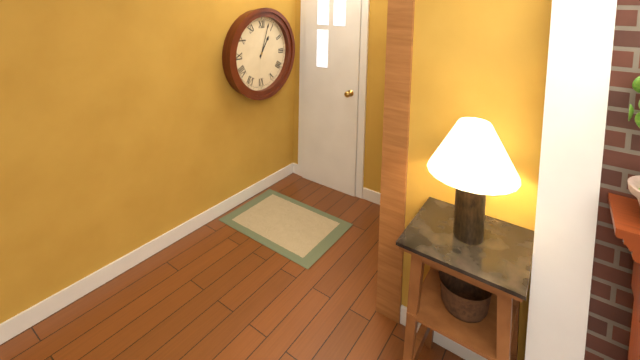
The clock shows 1:03
